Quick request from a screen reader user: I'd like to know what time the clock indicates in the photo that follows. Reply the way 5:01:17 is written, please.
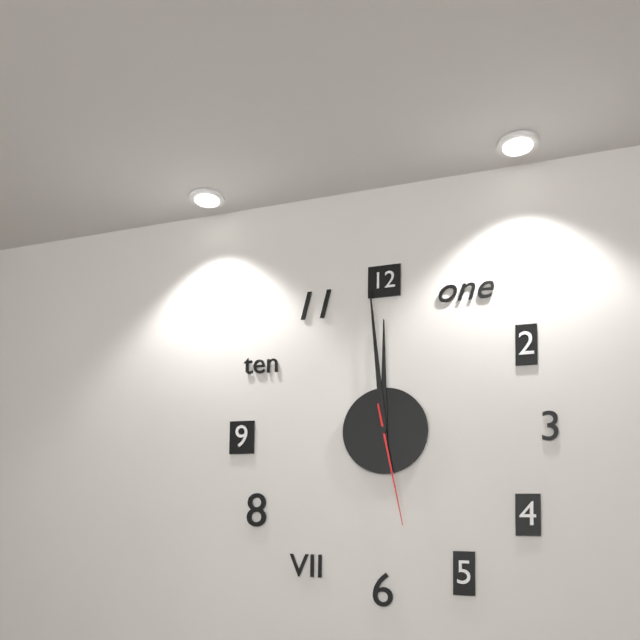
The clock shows 11:59:28
